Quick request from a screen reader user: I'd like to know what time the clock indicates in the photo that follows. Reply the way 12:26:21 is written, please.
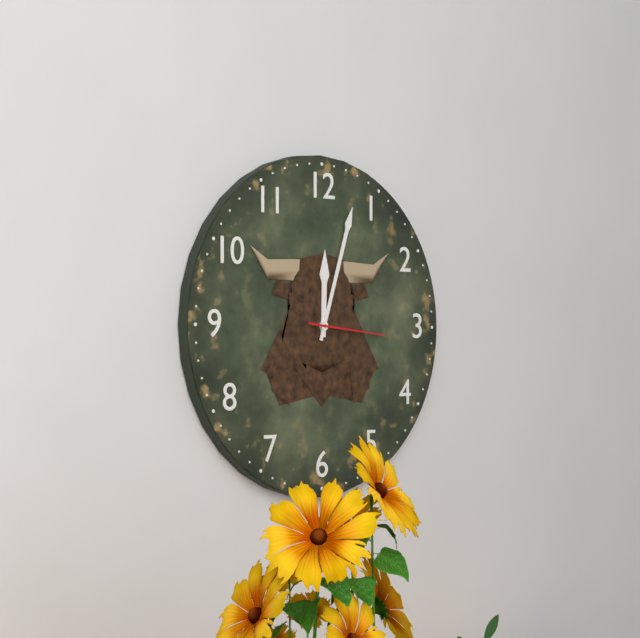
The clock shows 12:03:16
